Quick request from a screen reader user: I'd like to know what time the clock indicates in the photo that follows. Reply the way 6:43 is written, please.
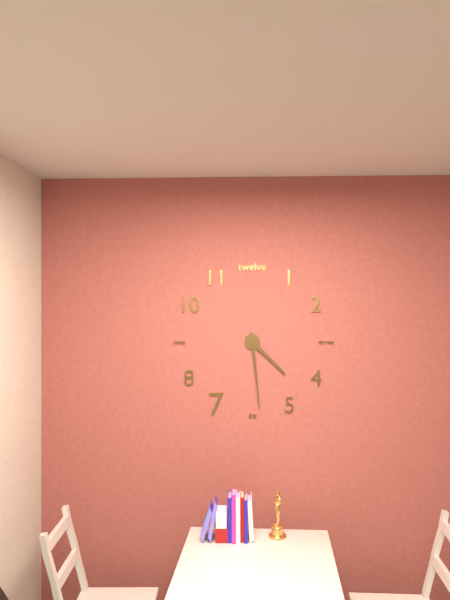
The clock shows 4:29
